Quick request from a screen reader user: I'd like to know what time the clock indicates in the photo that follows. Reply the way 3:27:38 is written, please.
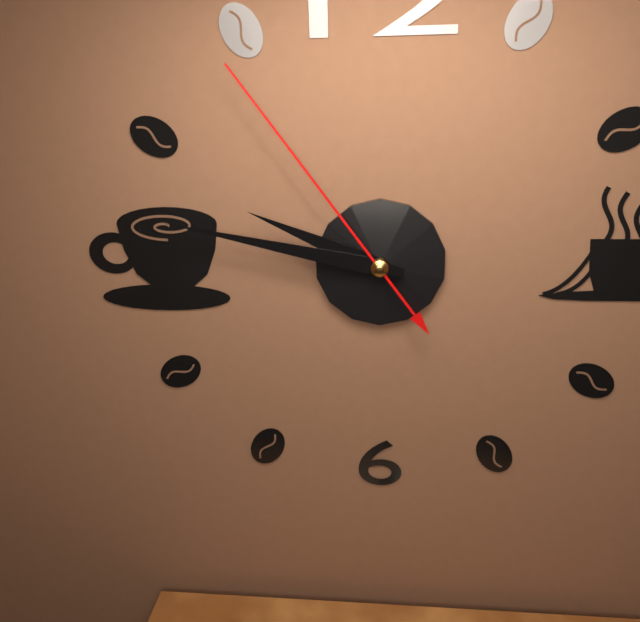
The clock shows 9:47:54
